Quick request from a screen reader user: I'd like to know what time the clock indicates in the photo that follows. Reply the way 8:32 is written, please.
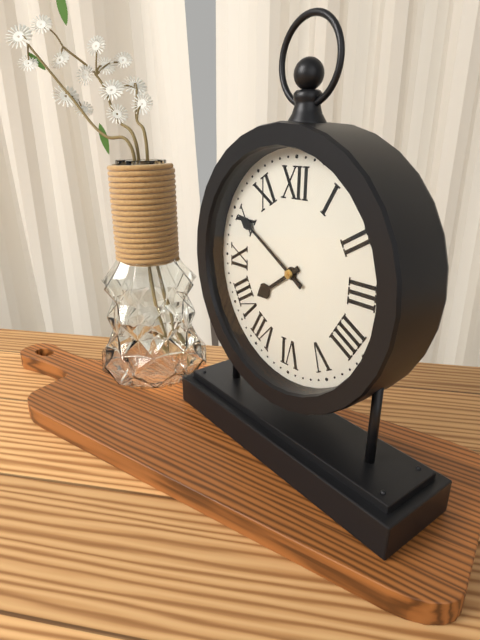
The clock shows 7:50
